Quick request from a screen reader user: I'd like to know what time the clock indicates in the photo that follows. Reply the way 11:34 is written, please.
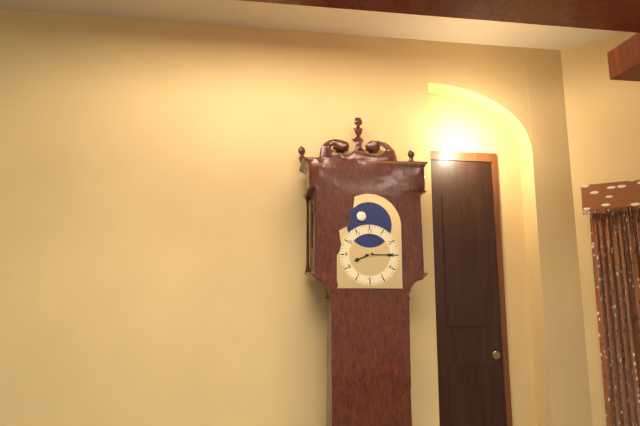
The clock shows 8:15
